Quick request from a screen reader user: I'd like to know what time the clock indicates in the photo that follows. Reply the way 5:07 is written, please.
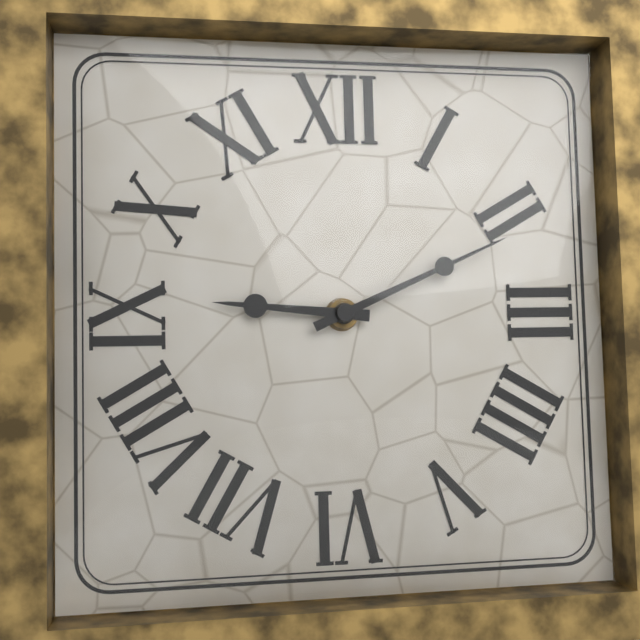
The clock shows 9:11
